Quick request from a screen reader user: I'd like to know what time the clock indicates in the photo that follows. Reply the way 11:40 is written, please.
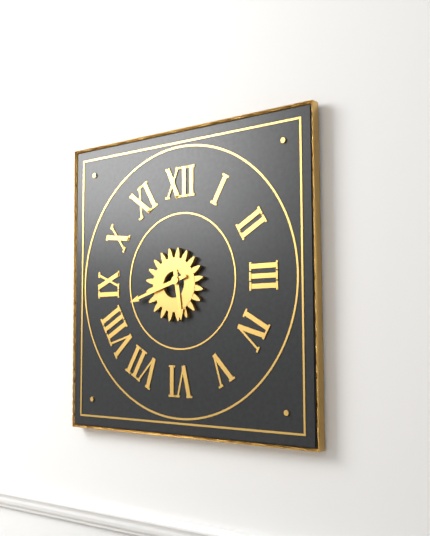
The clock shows 5:42
